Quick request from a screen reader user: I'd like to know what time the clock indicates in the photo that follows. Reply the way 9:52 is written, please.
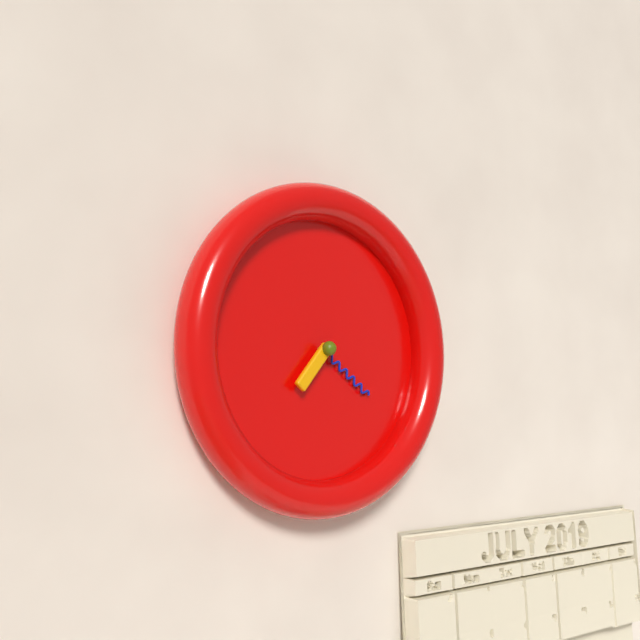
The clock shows 7:21
